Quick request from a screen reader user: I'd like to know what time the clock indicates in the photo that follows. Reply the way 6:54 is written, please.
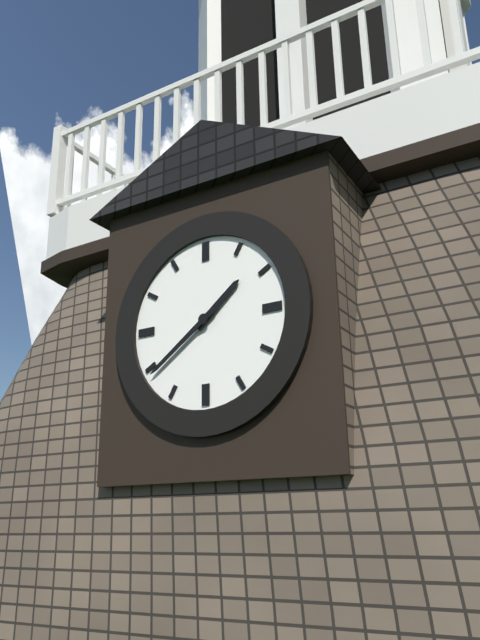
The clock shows 1:39
